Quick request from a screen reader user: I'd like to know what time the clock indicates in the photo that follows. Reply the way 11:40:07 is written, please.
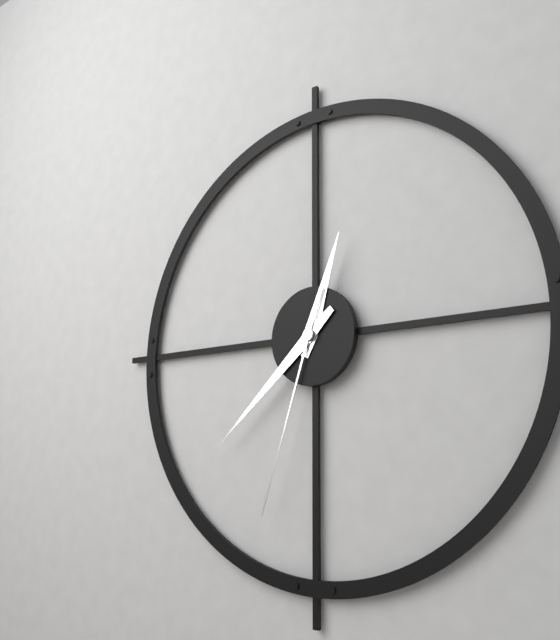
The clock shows 12:38:33
